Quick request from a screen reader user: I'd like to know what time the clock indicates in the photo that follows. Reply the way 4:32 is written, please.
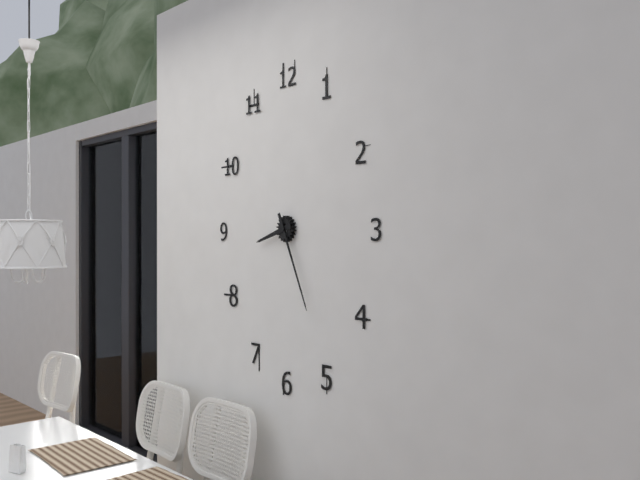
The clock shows 8:26
